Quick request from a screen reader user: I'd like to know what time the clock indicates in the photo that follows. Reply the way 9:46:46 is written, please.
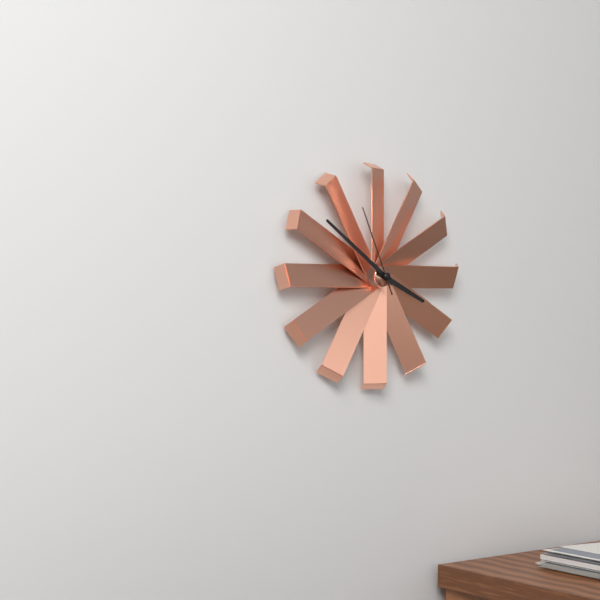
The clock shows 3:51:56
